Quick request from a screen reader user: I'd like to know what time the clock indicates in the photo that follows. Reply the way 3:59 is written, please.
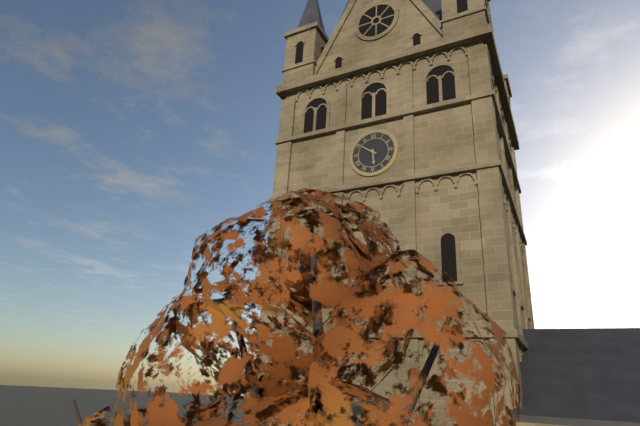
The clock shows 5:51
